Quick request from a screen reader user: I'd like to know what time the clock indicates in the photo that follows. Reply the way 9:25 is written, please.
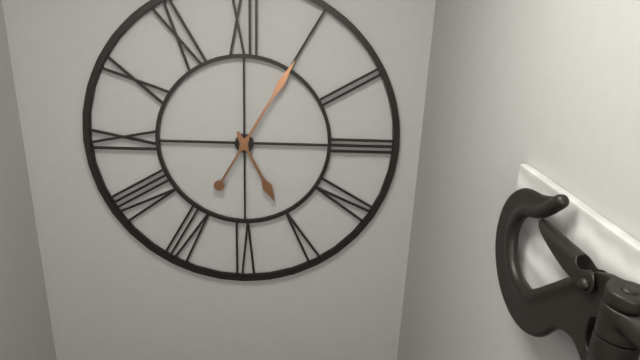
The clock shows 5:05
